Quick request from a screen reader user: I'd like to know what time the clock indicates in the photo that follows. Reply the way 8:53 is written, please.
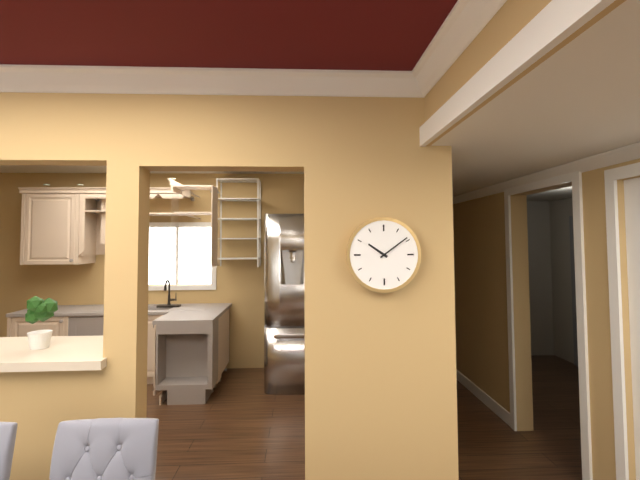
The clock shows 10:09
